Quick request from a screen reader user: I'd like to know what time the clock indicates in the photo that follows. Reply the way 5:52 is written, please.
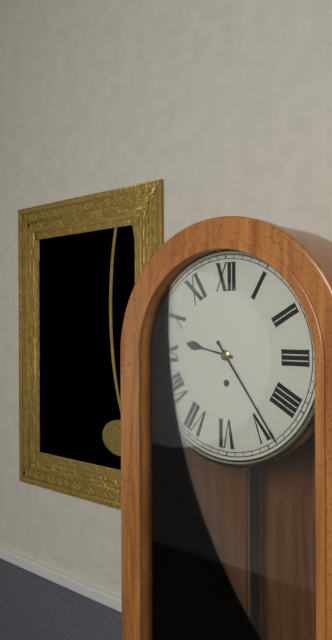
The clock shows 9:24
